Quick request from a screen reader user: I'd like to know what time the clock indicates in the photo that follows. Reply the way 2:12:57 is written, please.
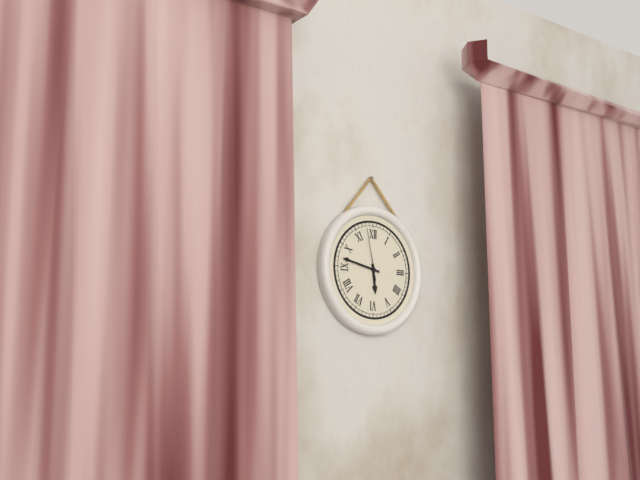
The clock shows 5:47:58
